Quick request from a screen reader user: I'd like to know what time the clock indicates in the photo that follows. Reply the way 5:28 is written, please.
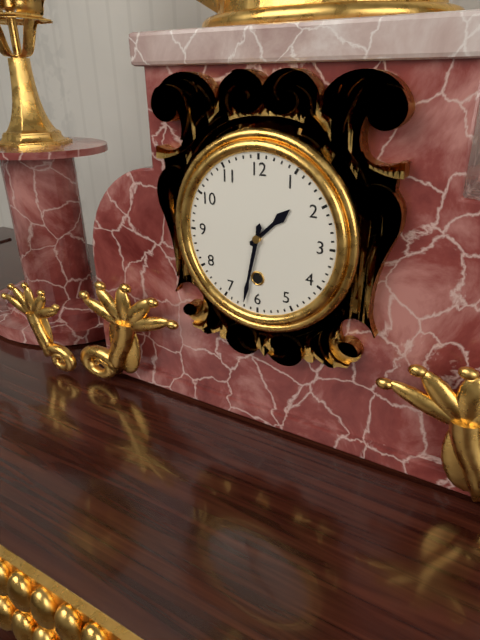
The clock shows 1:32
